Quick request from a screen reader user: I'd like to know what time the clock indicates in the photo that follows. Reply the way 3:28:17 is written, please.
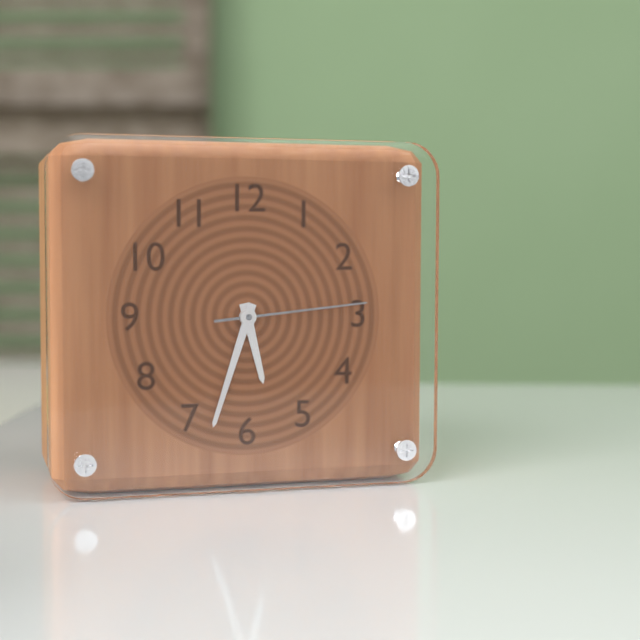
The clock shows 5:33:14
